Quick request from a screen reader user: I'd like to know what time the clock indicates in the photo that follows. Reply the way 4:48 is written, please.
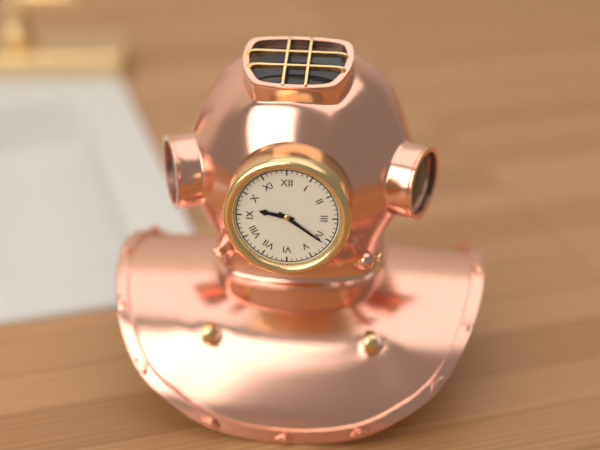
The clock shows 9:21
